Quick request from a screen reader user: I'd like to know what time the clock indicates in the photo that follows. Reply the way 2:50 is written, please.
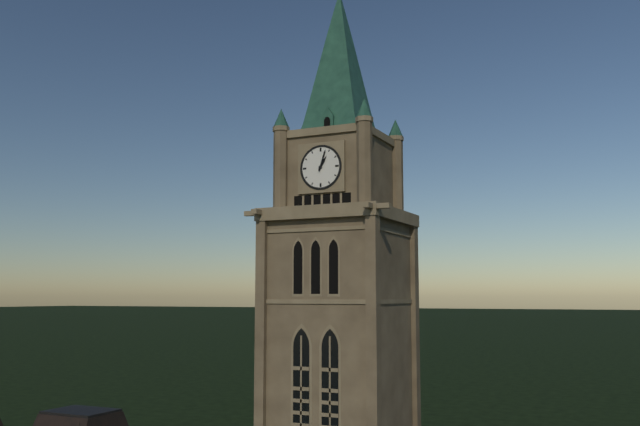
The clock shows 1:03
